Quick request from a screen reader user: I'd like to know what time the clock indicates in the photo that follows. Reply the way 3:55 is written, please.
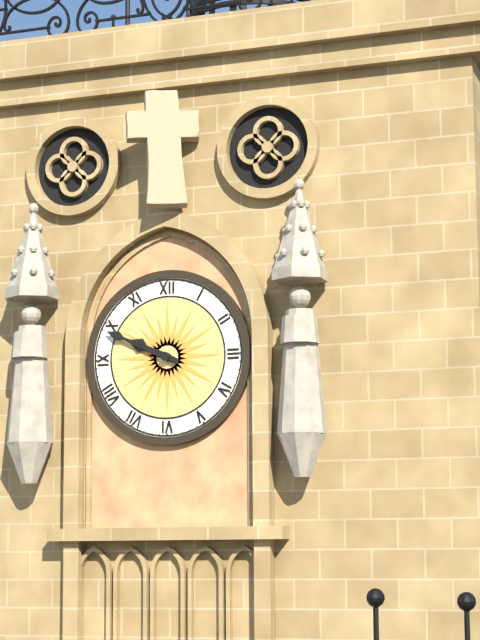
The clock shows 9:49
